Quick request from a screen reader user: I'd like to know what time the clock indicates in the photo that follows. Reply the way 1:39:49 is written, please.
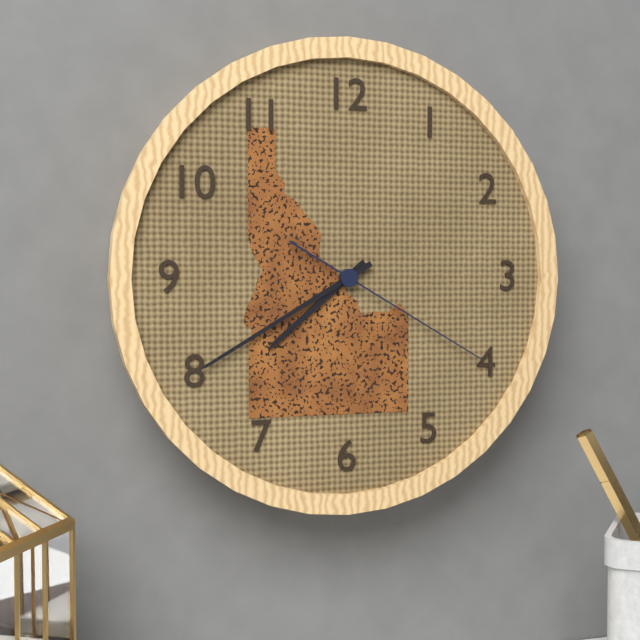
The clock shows 7:40:20
